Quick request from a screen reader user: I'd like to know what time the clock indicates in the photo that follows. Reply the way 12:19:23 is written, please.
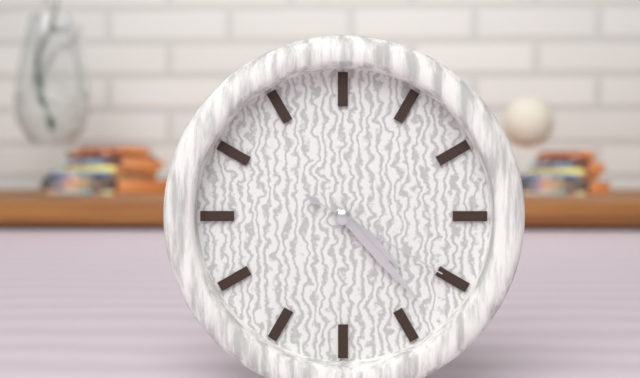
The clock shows 4:23:20
